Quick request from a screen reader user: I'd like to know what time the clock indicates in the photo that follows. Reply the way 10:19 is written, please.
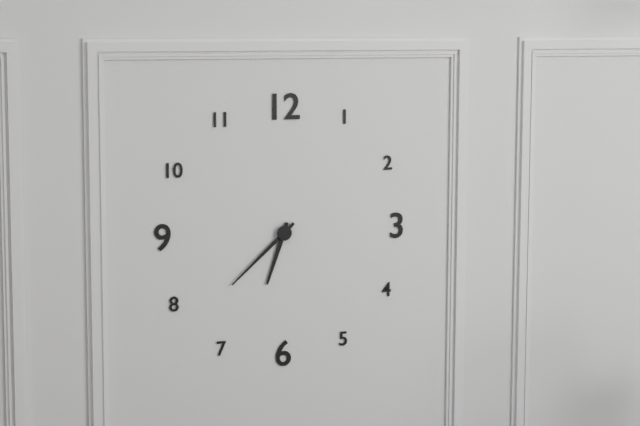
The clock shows 6:38
